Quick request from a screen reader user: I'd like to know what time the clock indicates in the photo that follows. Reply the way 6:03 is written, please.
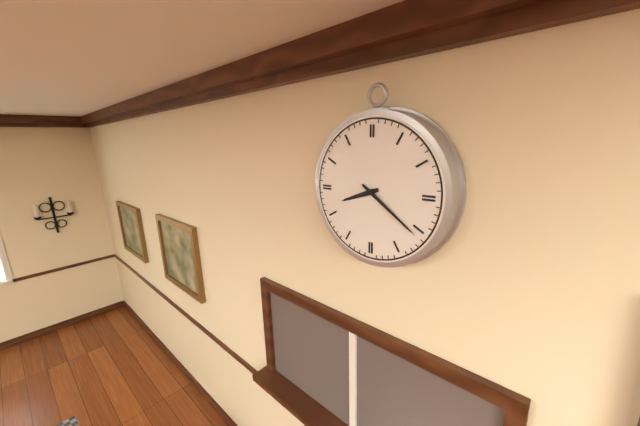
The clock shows 8:21
